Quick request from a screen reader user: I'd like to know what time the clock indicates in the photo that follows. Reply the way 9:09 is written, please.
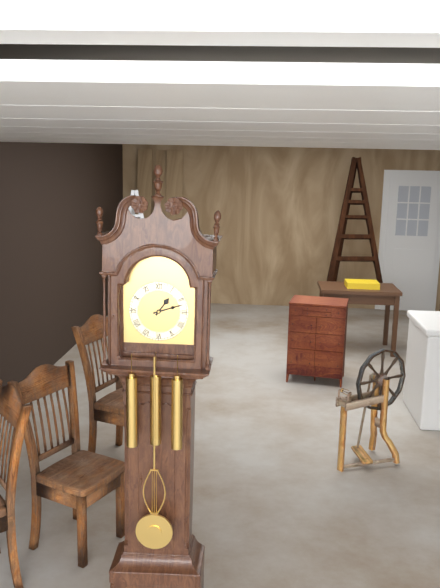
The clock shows 1:12
